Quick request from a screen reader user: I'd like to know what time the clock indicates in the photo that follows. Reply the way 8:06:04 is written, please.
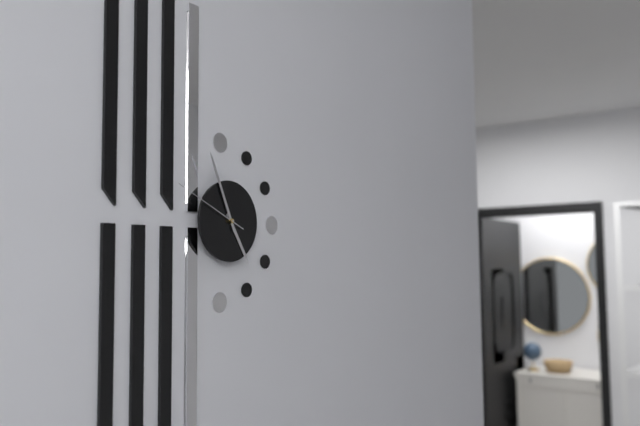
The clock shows 4:56:49
